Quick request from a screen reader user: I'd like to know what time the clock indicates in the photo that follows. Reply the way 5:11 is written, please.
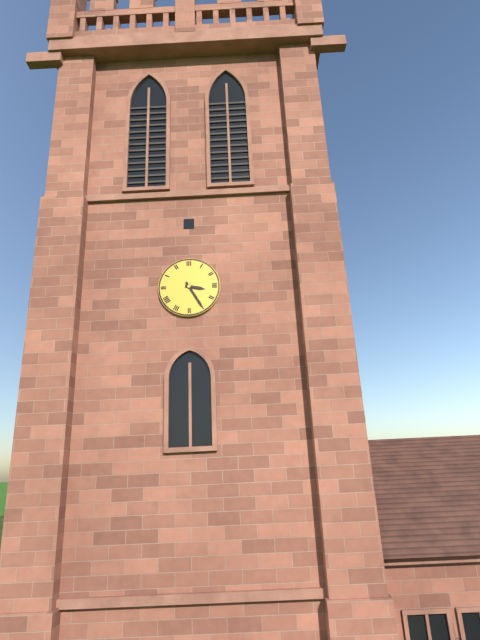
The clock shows 3:25
